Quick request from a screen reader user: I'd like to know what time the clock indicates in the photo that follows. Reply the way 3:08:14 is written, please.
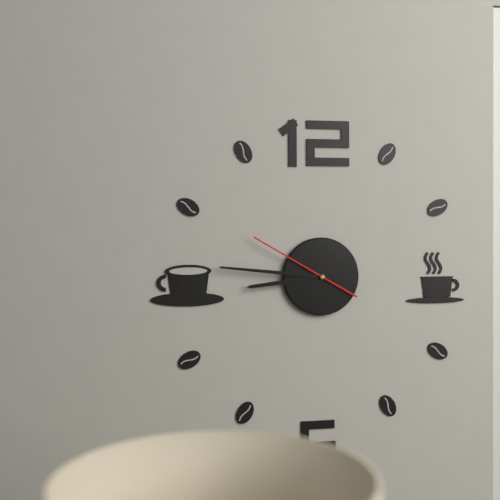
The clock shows 8:46:50
